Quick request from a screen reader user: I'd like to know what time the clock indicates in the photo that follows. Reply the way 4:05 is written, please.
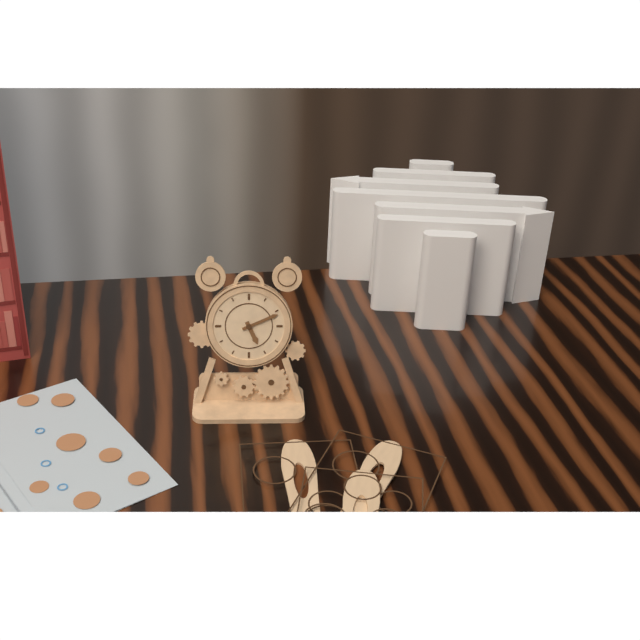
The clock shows 5:11
